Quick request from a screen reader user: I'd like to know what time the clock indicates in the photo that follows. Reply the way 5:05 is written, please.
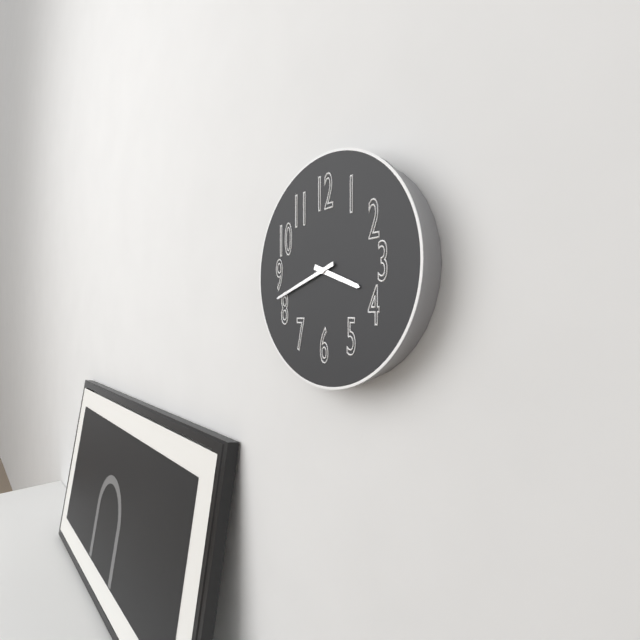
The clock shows 3:42
